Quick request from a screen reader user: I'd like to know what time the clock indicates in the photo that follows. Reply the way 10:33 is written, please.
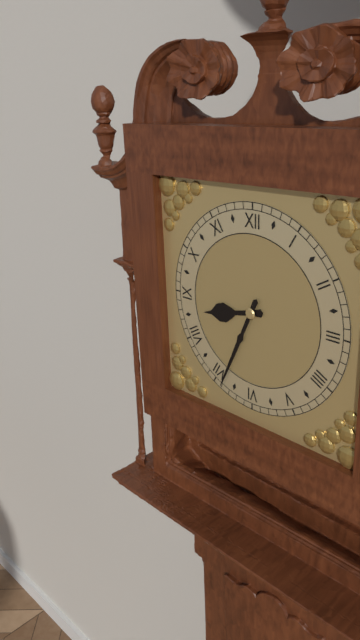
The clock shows 8:34
